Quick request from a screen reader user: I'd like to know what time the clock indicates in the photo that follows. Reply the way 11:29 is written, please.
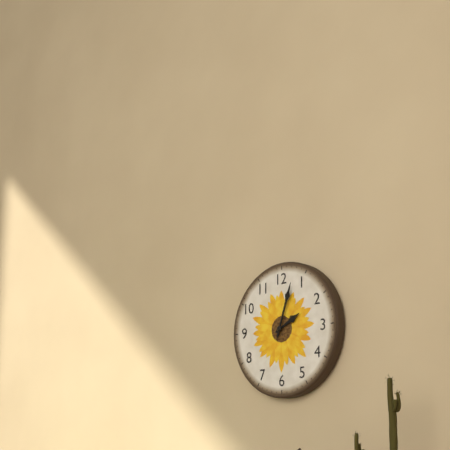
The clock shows 2:03
